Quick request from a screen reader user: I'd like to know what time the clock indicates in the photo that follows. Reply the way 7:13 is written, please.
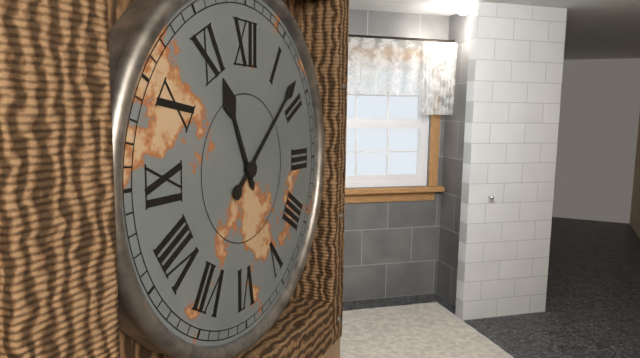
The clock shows 11:08
